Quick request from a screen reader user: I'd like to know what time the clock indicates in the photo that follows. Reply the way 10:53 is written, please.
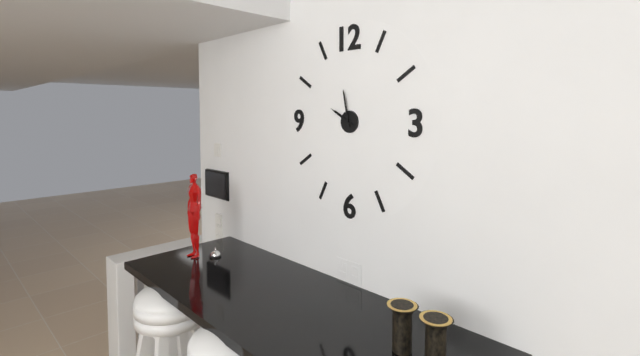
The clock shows 9:58
